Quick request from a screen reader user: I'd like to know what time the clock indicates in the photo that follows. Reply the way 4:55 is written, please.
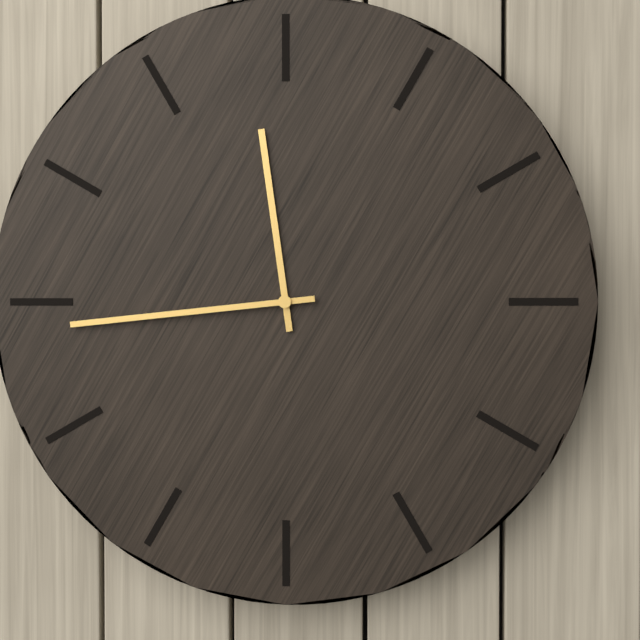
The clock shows 11:44
